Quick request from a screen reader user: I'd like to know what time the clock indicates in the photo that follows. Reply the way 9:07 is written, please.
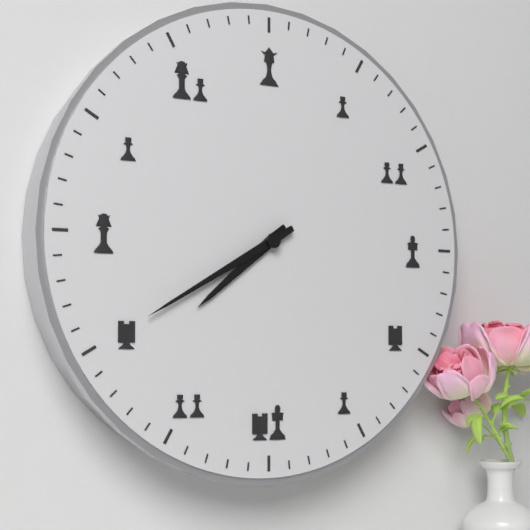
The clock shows 7:40
